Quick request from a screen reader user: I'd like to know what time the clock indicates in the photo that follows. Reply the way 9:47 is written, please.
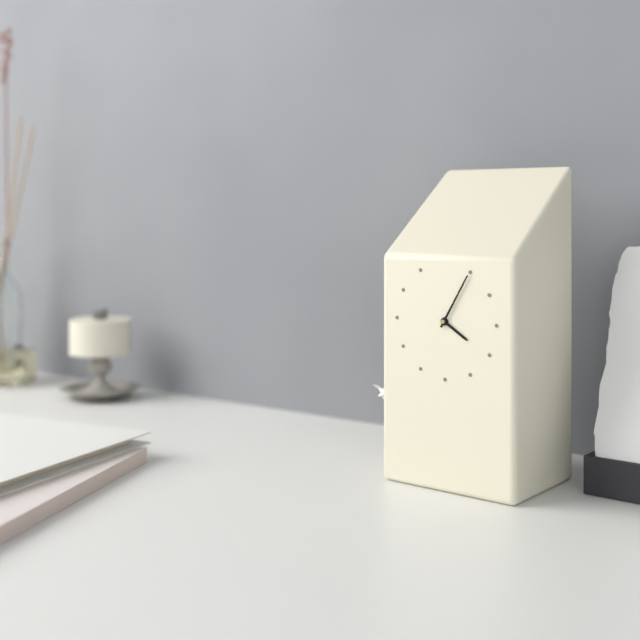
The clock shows 4:05
